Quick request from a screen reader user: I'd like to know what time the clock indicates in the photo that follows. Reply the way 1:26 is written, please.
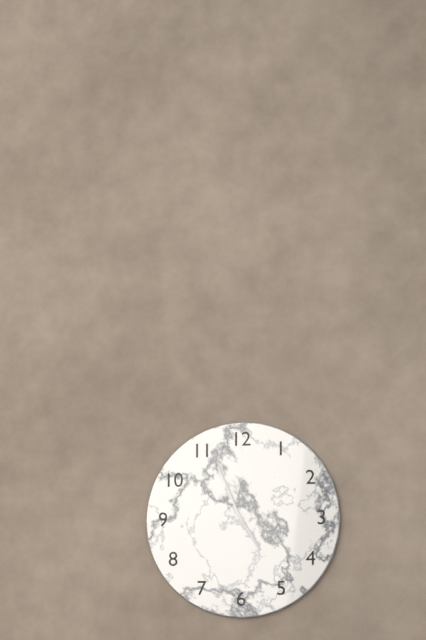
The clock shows 4:56
